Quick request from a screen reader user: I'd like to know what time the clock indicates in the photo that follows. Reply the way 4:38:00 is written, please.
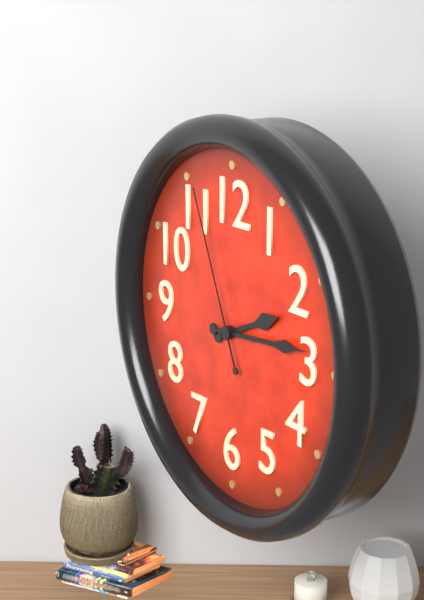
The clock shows 2:14:56
